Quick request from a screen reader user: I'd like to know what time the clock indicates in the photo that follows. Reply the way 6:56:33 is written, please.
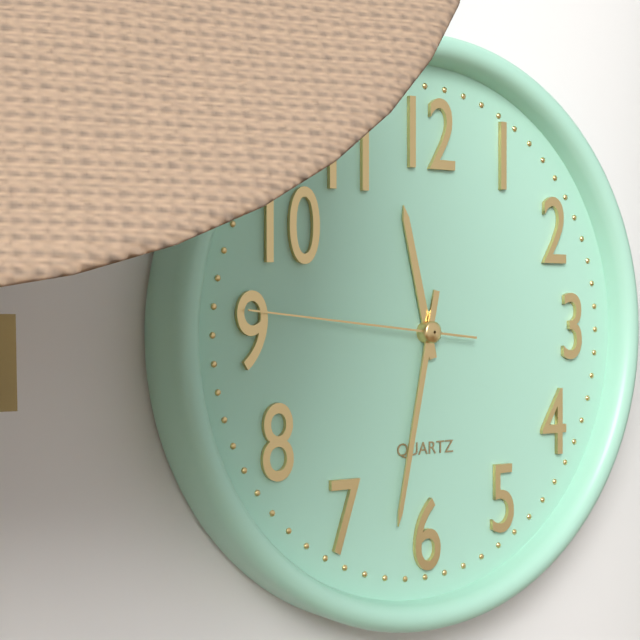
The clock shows 11:32:46
